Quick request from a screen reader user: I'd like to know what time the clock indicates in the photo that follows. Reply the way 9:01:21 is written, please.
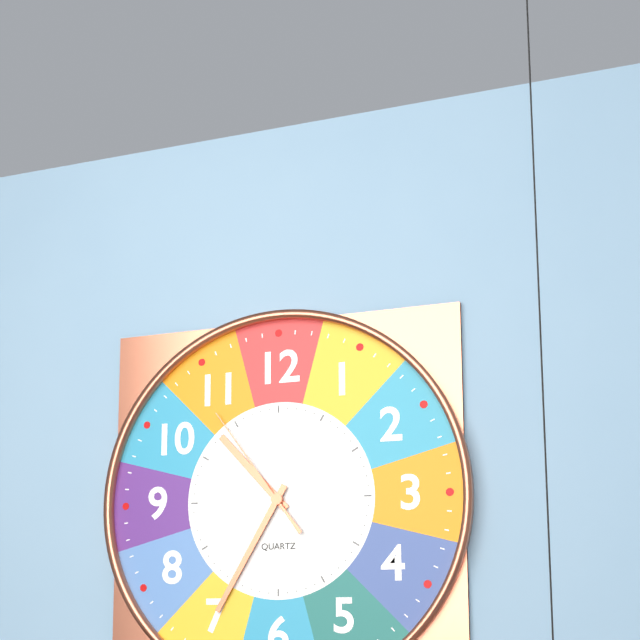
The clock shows 10:35:54
